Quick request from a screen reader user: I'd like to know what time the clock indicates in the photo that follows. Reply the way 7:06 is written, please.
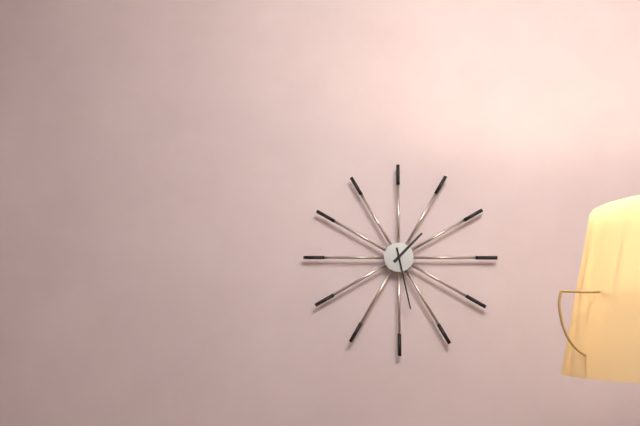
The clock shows 1:28
